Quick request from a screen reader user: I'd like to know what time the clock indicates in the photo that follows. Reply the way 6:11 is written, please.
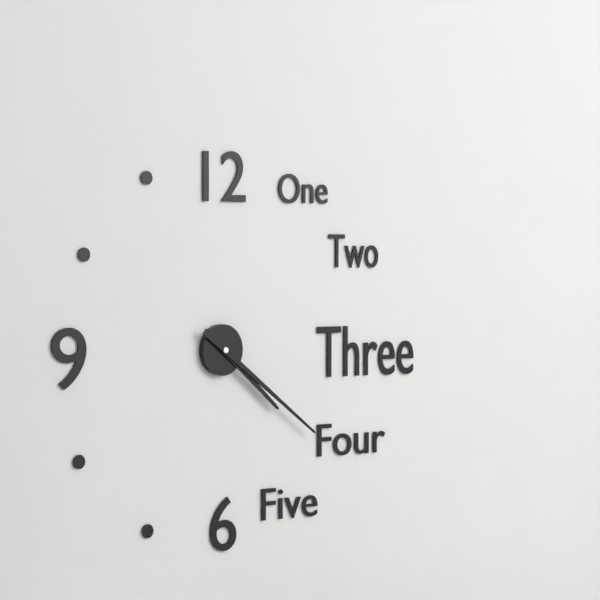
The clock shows 4:21
